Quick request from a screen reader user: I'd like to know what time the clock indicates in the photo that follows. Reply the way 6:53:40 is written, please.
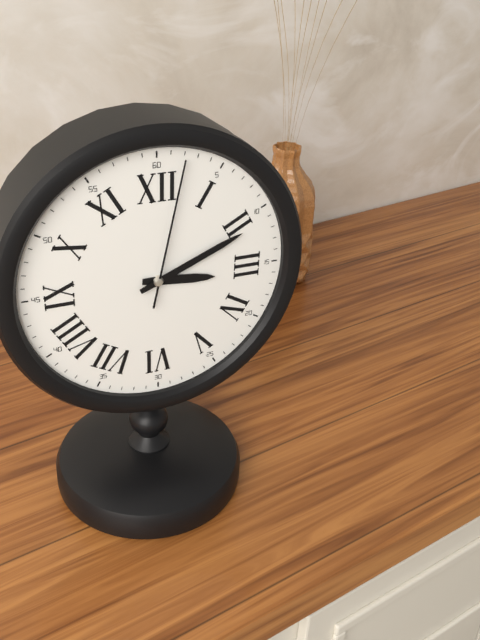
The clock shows 3:11:02
